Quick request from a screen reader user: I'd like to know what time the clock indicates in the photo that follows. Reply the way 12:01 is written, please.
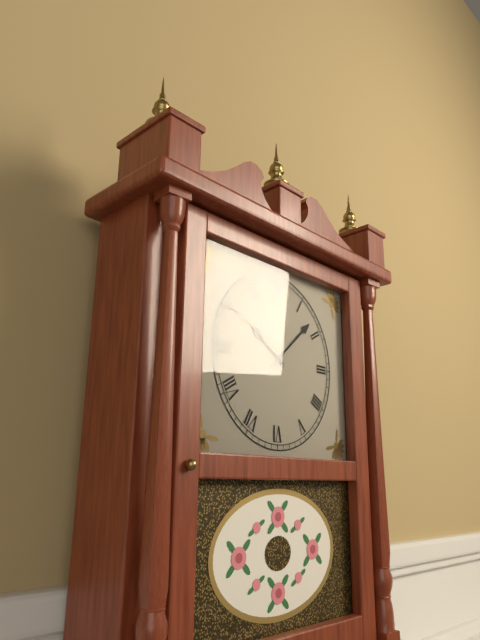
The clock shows 10:08
